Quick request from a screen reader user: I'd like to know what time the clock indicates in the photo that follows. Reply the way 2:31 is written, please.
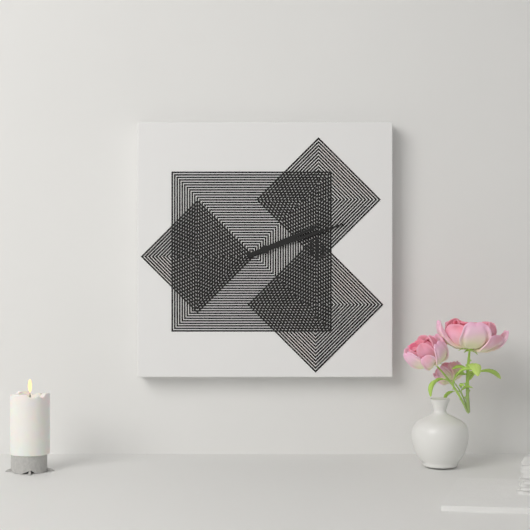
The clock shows 2:12
